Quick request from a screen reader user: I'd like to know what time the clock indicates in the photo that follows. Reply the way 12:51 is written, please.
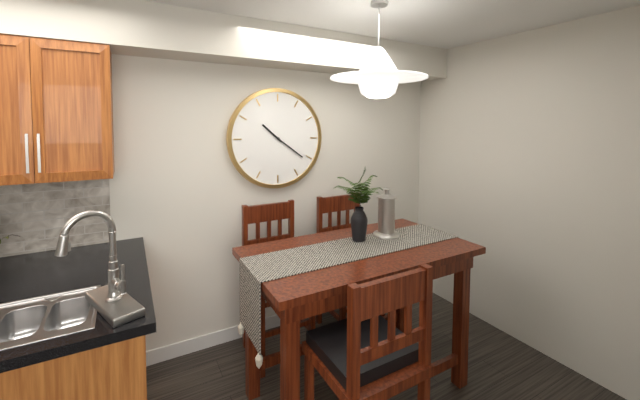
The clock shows 10:21
